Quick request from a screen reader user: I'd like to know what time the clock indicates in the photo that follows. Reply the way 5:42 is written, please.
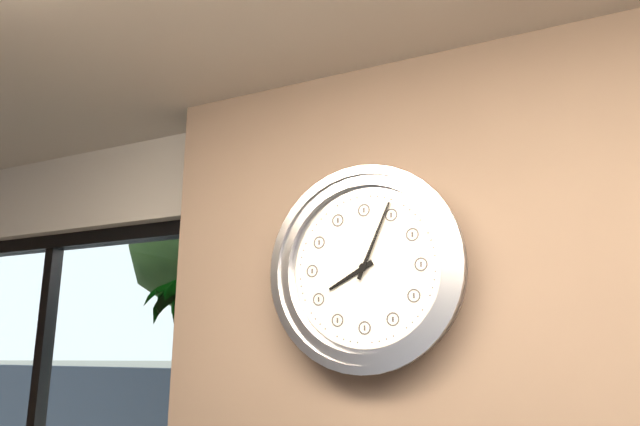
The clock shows 8:04
